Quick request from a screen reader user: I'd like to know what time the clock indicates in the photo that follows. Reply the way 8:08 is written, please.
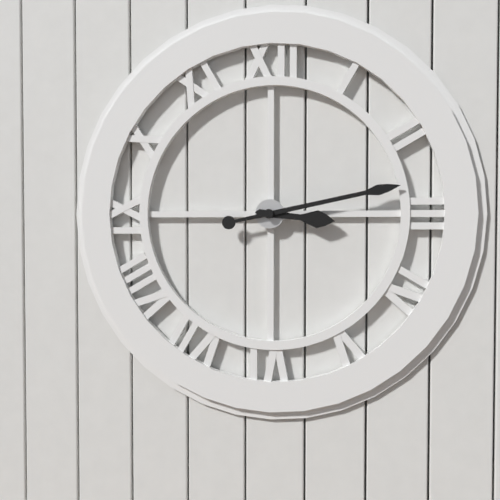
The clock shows 3:13
